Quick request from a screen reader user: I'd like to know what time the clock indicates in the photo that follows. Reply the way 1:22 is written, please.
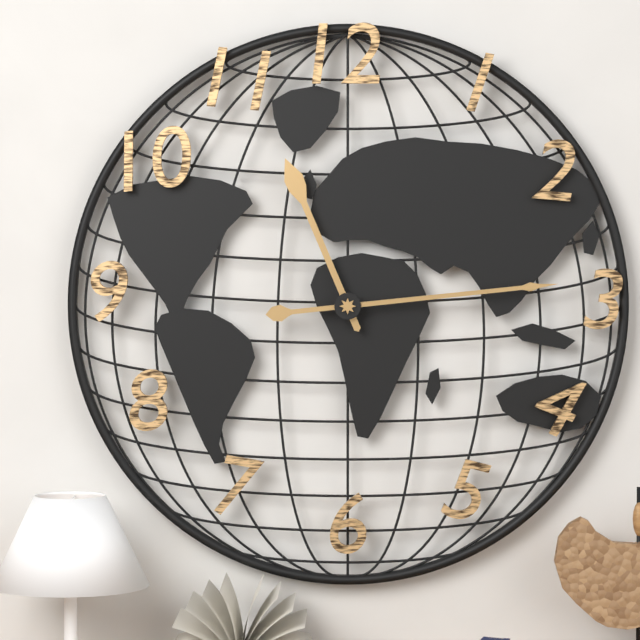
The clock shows 11:14
